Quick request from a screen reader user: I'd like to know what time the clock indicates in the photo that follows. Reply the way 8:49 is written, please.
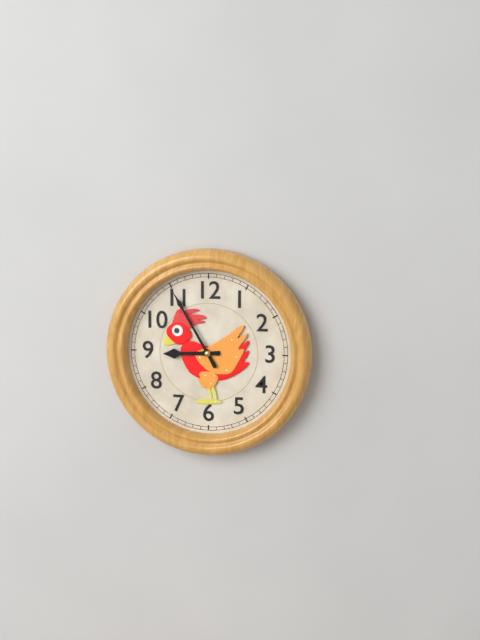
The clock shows 8:55
